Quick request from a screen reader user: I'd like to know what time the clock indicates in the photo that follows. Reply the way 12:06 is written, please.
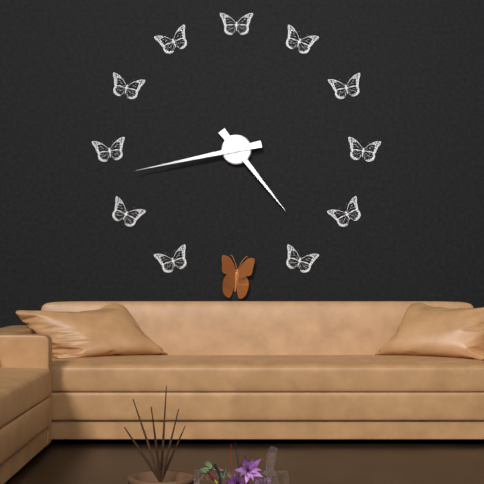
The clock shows 4:43
